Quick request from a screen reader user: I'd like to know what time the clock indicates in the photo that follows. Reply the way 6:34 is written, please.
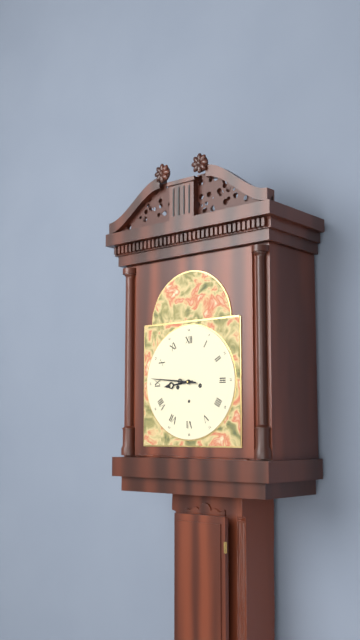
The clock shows 8:46
